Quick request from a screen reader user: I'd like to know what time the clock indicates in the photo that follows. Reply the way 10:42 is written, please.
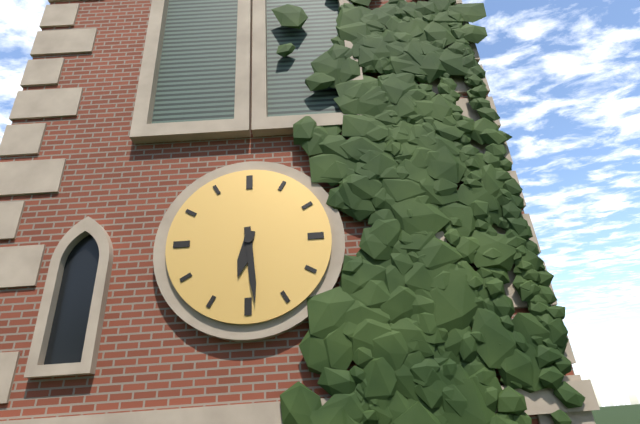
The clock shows 6:29
